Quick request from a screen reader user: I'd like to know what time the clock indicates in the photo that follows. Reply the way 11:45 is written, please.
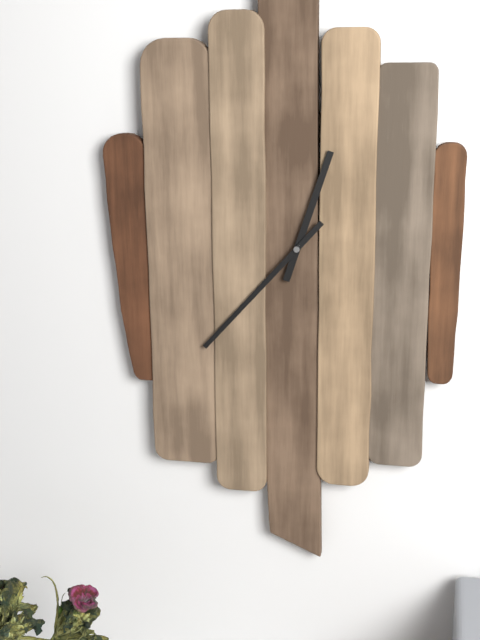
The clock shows 12:37
